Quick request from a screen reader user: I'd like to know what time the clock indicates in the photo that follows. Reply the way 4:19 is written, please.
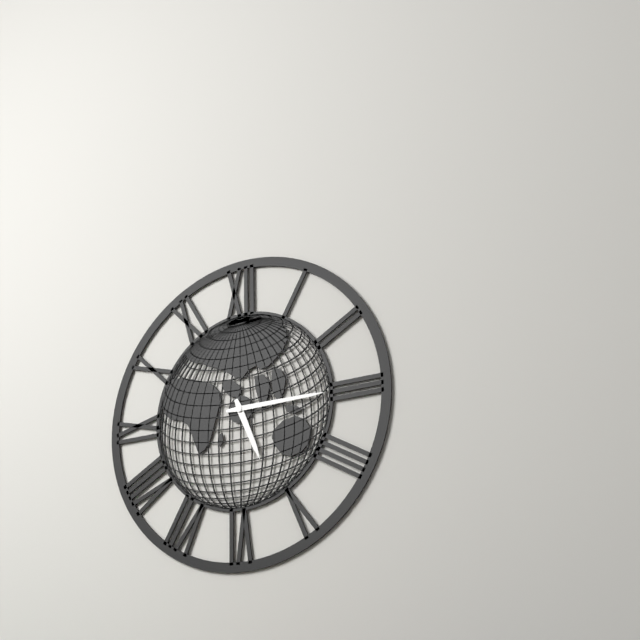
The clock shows 5:15
